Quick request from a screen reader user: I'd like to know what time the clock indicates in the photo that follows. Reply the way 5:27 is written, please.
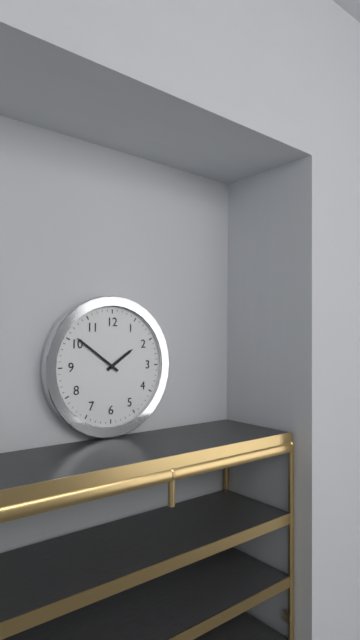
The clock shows 1:51
